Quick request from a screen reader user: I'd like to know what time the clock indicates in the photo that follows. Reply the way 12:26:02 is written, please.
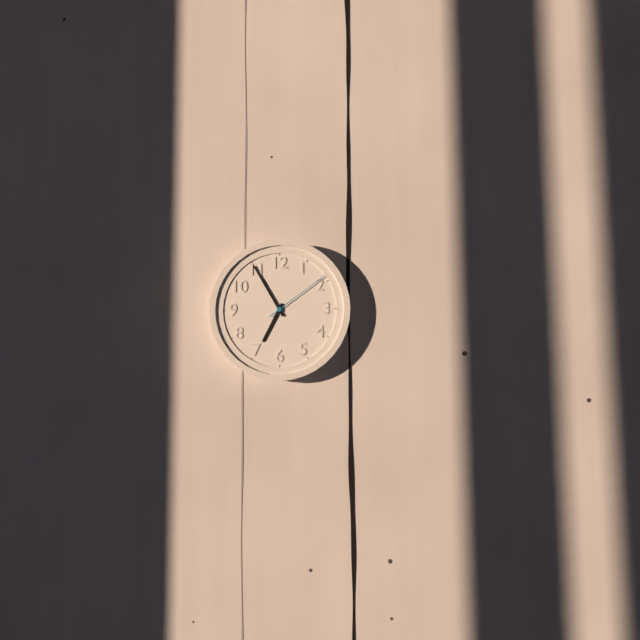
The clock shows 6:55:09
